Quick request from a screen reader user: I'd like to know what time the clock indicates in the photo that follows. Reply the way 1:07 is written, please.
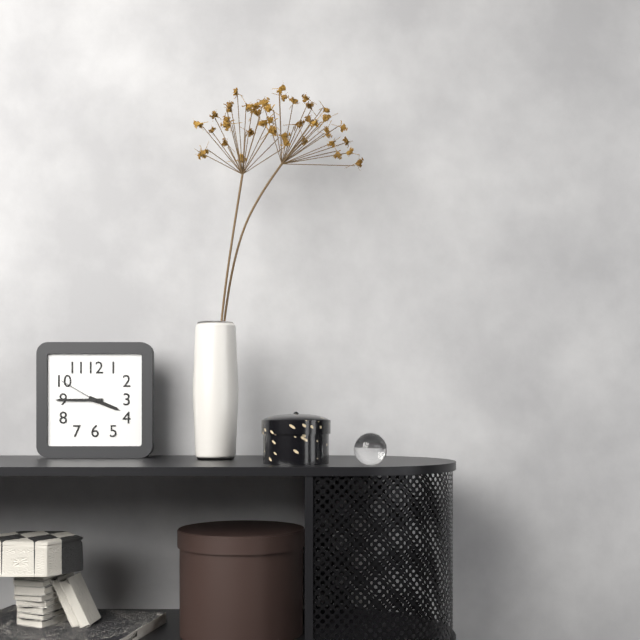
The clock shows 3:45
